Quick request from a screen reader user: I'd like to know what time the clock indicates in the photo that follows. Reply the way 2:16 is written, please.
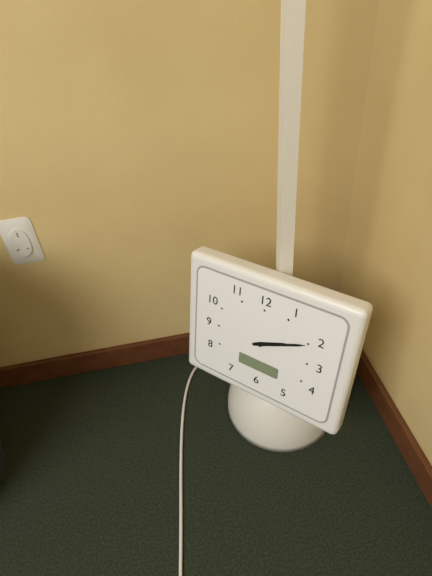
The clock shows 2:11
